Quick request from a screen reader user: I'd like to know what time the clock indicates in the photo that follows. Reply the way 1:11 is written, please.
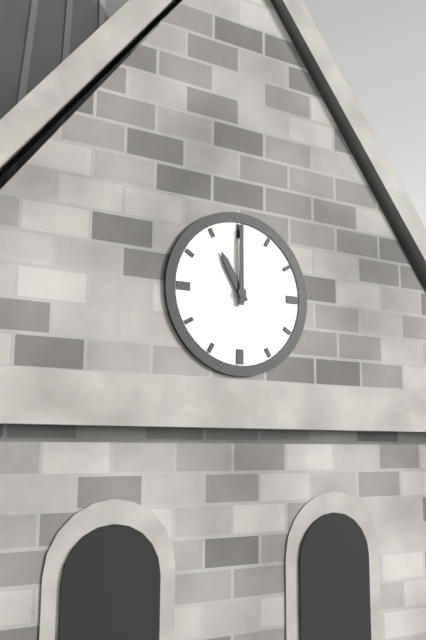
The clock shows 11:00
